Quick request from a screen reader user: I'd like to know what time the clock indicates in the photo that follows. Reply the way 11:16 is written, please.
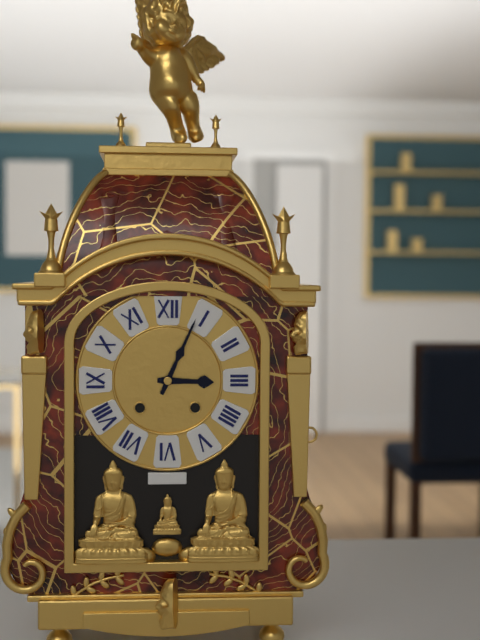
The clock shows 3:04
